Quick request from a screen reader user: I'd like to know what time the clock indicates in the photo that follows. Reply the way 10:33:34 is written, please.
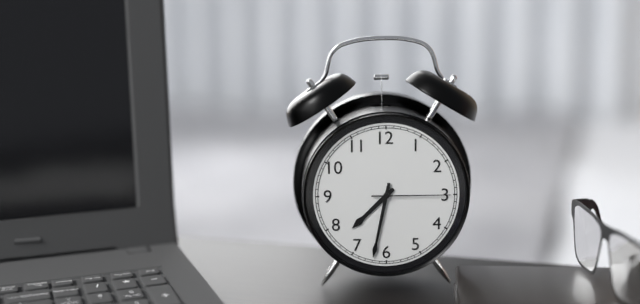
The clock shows 7:32:15
